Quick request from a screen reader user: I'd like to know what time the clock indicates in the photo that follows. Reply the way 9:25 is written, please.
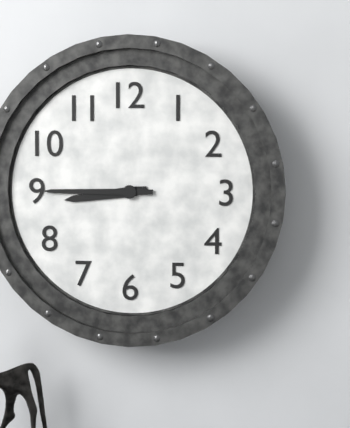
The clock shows 8:45
